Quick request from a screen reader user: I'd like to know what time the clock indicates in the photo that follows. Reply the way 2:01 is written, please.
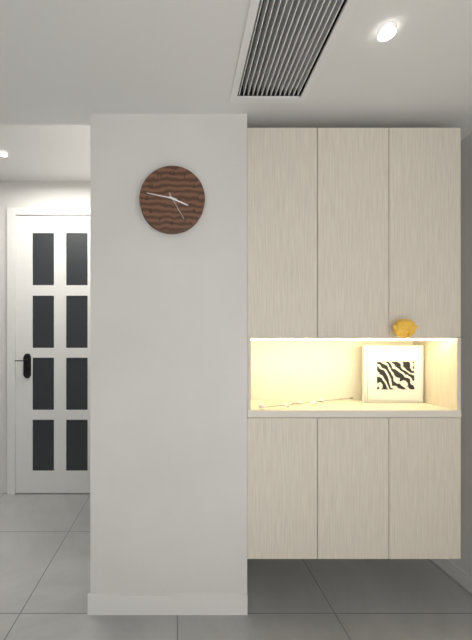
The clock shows 3:47
